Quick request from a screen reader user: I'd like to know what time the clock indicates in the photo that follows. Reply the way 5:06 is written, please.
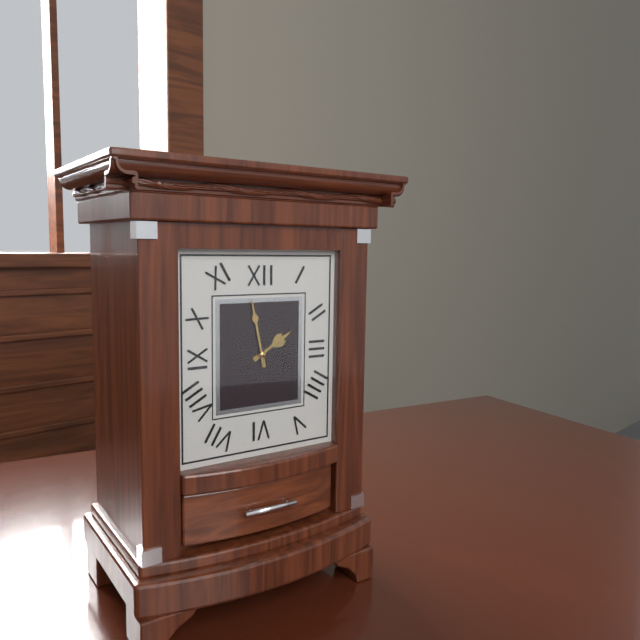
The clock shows 1:58
